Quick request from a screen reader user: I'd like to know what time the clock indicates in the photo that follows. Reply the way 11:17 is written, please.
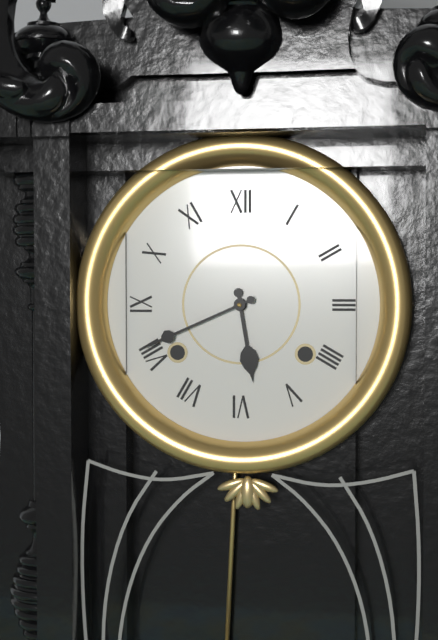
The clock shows 5:41
